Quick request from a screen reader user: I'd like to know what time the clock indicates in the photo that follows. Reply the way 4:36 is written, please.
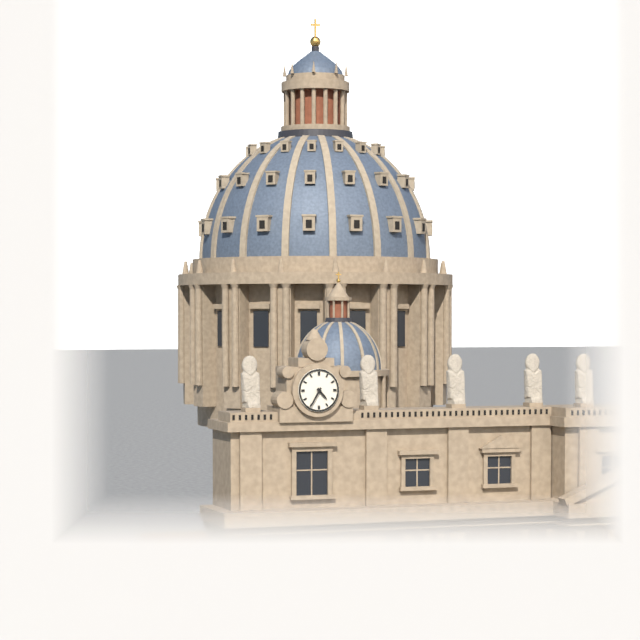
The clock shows 4:35
